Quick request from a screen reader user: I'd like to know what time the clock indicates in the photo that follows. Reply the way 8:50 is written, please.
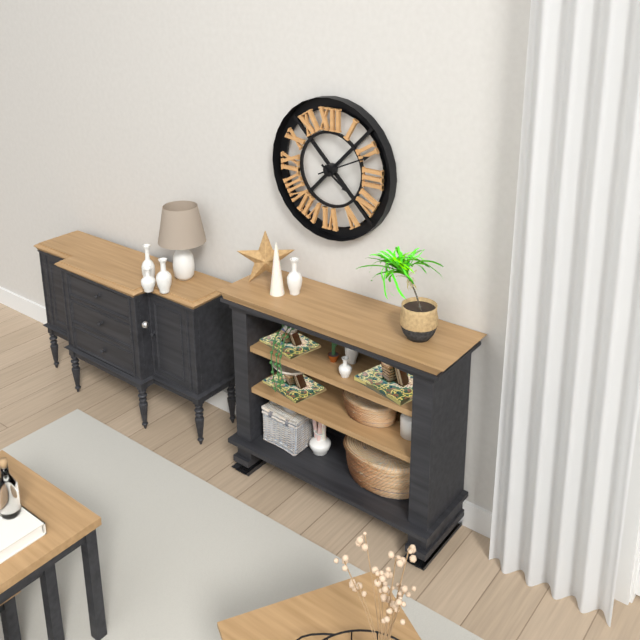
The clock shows 4:11
